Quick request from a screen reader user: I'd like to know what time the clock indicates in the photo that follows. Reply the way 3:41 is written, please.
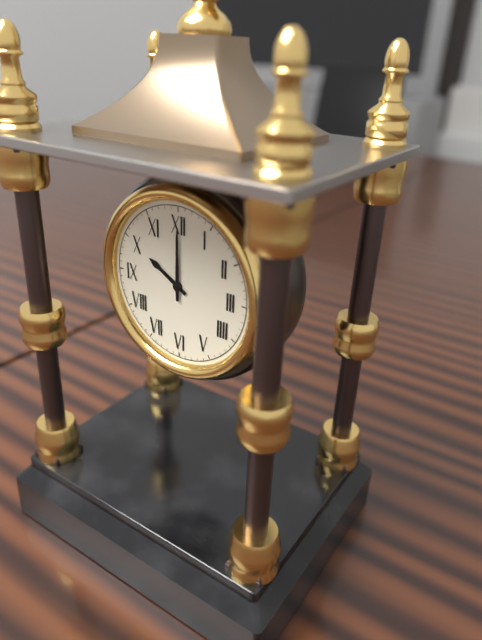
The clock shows 10:00
